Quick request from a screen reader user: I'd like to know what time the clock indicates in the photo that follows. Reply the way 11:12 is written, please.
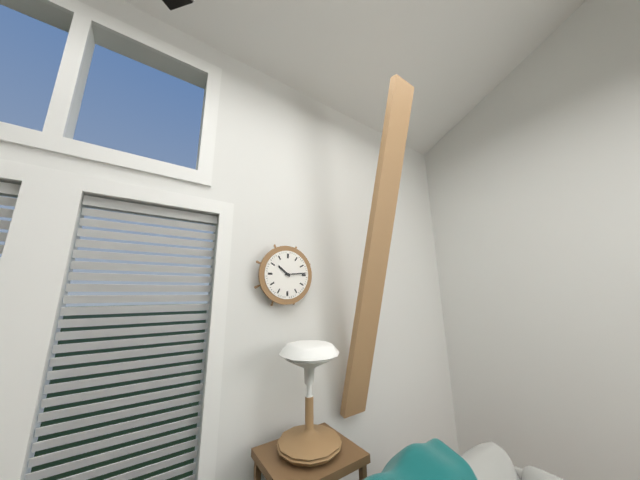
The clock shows 10:14
